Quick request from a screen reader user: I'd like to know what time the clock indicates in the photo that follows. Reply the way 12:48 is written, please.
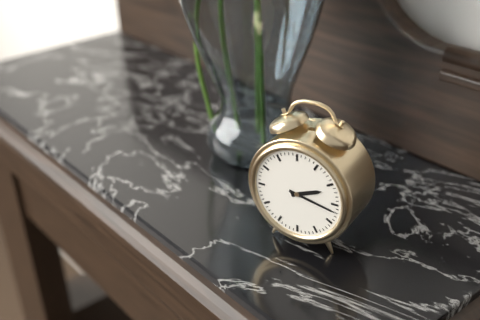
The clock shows 2:17
